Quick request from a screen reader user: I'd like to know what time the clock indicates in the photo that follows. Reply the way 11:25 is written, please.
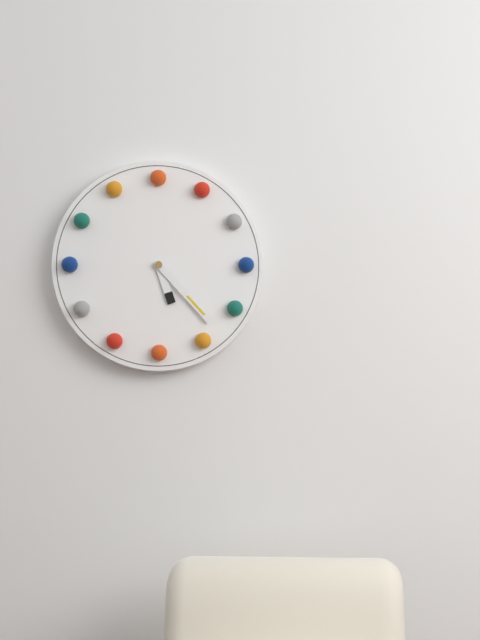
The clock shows 5:23
